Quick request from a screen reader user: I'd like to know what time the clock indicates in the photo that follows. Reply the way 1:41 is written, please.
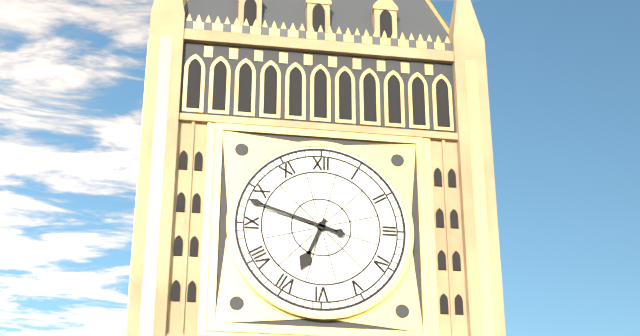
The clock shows 6:48
